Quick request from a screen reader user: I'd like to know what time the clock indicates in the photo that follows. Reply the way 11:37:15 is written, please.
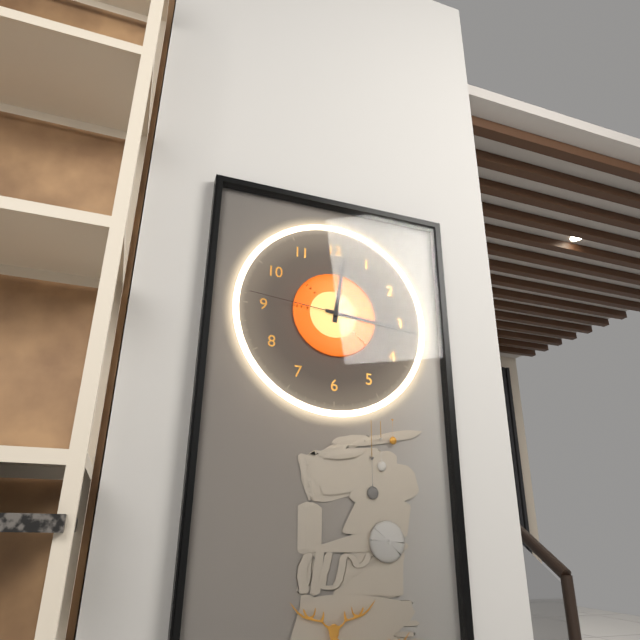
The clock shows 12:16:46
